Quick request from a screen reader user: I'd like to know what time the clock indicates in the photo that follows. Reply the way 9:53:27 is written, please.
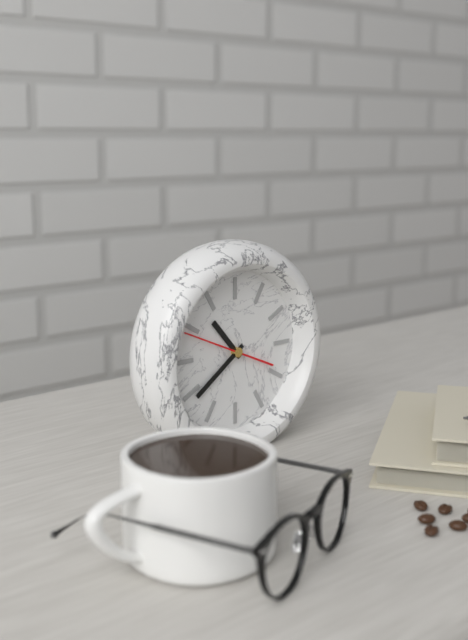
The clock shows 10:39:49
